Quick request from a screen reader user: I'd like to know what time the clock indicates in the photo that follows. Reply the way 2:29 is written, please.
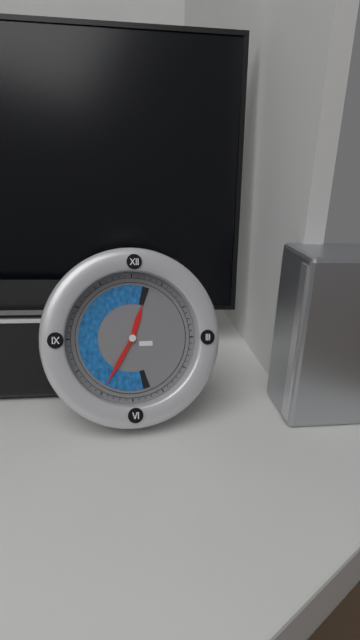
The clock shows 12:35
